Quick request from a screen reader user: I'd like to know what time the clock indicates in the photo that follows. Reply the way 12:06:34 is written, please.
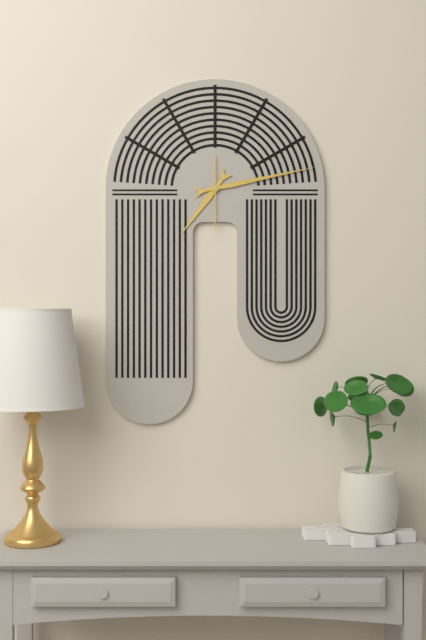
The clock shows 7:13:30
